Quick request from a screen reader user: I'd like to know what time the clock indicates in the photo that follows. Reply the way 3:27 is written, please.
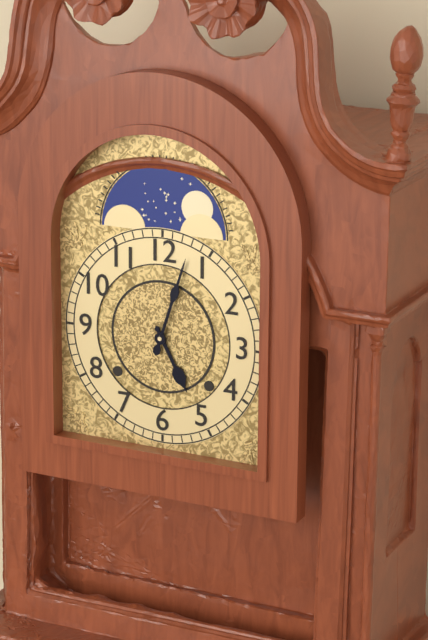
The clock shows 5:03
